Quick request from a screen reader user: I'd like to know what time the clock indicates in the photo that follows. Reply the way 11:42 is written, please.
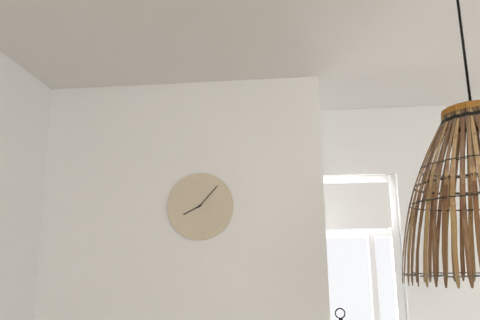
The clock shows 8:07
